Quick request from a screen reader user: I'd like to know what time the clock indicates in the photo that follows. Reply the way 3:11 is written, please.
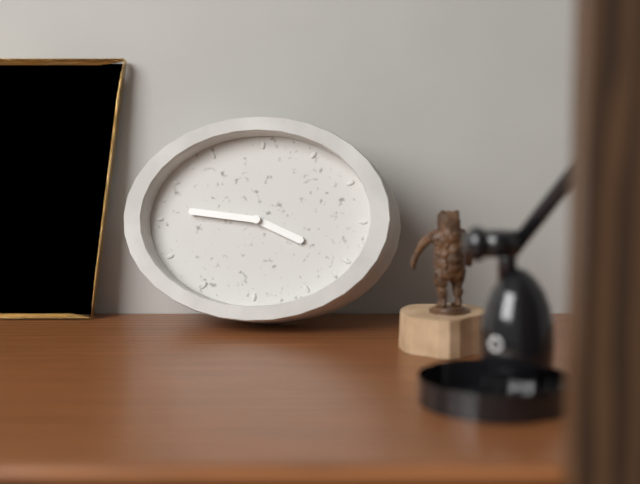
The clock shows 3:46
